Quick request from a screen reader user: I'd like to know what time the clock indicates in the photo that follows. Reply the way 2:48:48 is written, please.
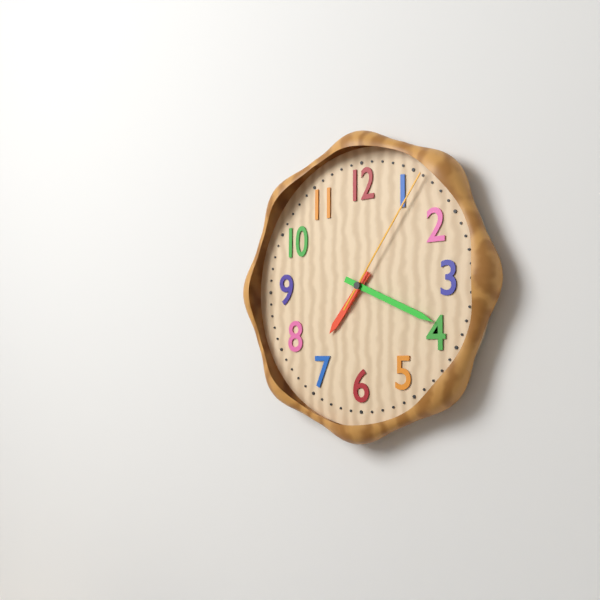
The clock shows 7:19:06
